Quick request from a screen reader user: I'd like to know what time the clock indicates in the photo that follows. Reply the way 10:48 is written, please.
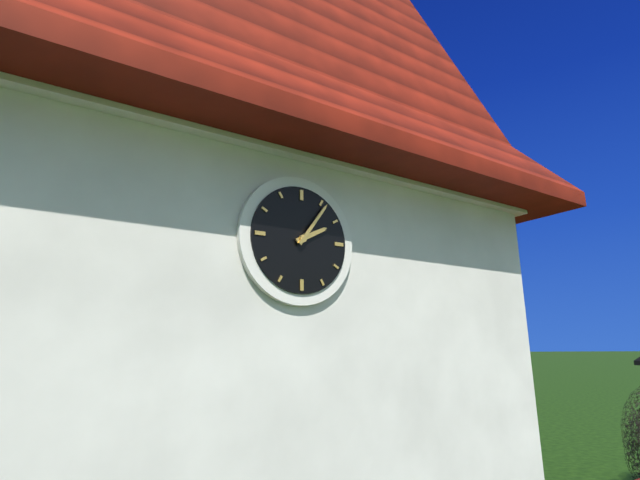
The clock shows 2:06
